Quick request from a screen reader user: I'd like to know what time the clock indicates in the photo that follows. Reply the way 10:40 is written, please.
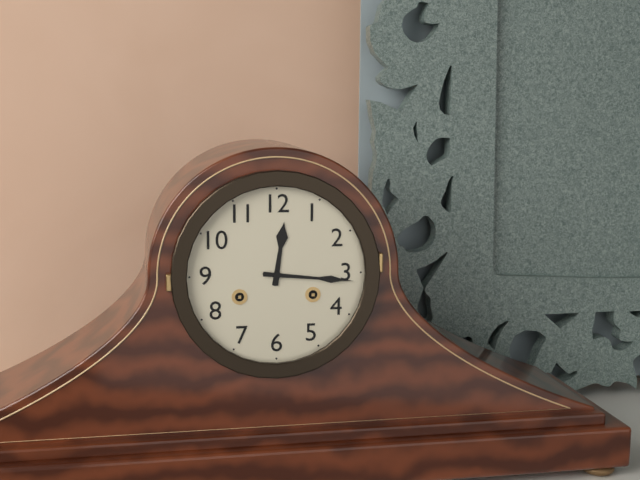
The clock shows 12:16
